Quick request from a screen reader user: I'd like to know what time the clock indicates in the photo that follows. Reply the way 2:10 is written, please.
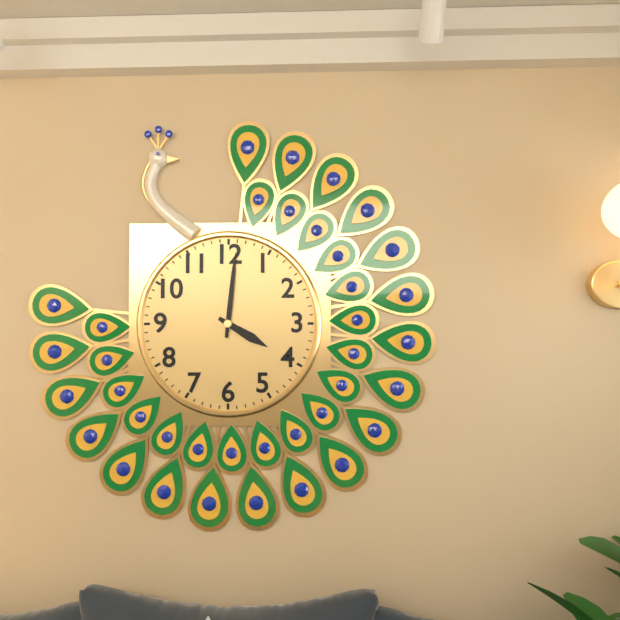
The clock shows 4:01
